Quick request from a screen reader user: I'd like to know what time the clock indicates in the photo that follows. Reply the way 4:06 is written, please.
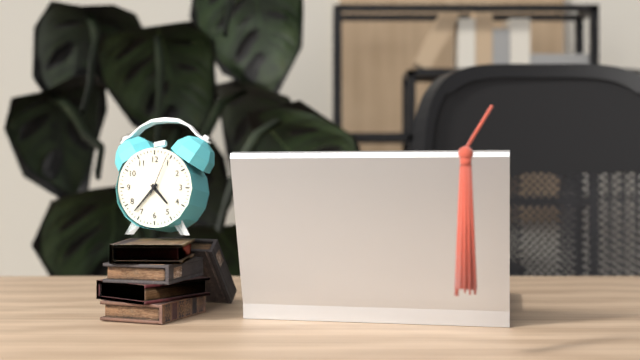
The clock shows 4:37
